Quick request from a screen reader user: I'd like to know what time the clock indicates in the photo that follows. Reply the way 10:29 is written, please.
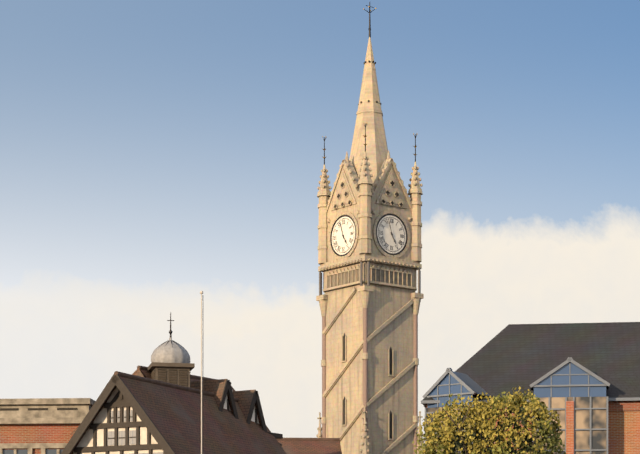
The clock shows 4:57
